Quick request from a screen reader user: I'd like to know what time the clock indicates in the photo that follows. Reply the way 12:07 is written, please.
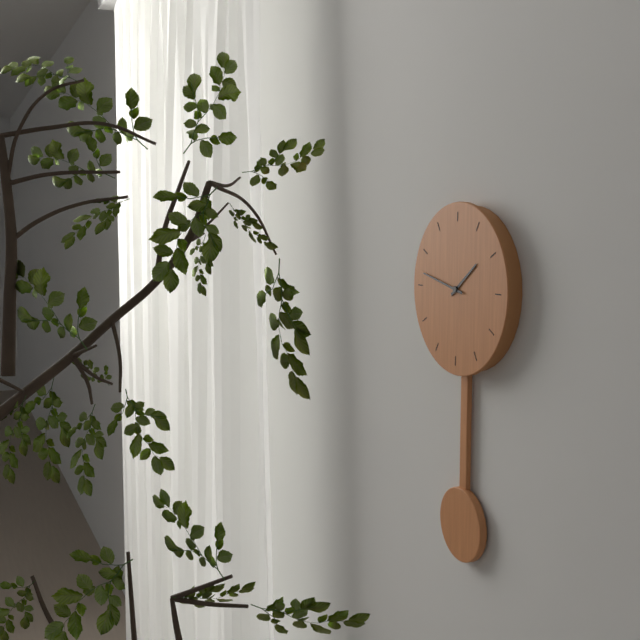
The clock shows 1:47
